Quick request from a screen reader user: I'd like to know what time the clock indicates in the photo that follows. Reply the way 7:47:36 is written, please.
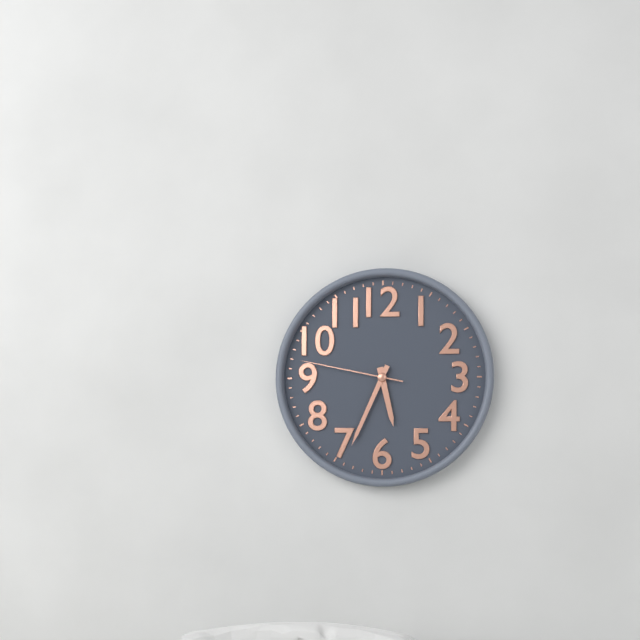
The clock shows 5:34:47
